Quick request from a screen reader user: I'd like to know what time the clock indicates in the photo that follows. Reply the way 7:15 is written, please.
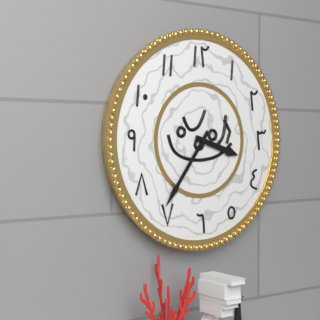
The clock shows 3:36
